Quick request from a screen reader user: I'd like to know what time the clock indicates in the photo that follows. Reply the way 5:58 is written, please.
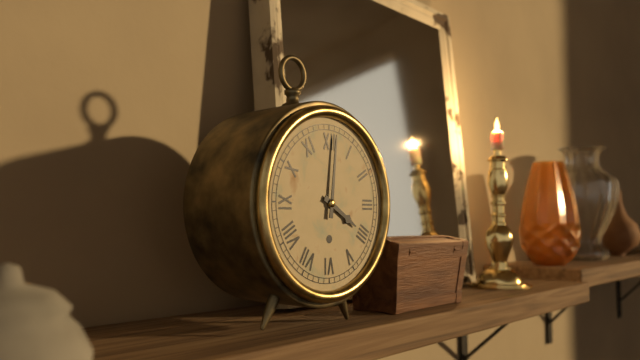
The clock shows 4:01
